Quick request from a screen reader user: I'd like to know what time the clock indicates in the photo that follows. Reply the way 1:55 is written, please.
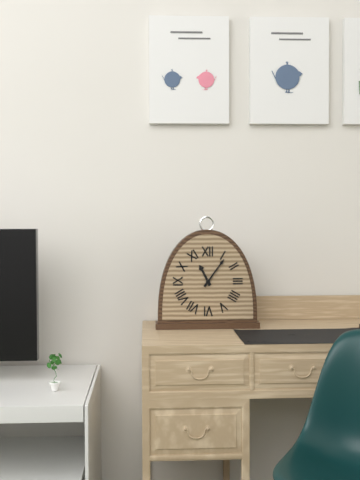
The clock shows 11:06
